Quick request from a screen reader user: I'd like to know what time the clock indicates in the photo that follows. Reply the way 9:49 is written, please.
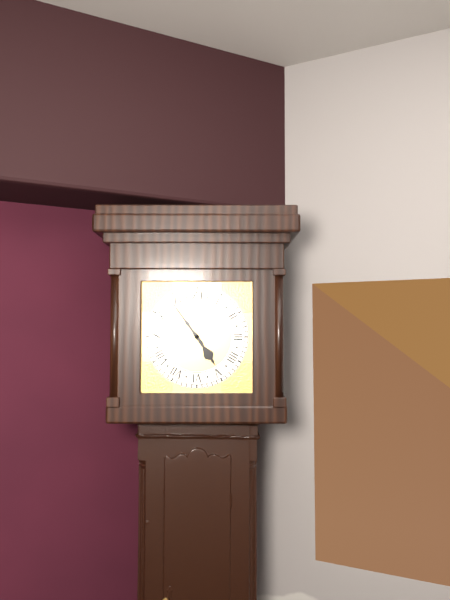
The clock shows 4:54
